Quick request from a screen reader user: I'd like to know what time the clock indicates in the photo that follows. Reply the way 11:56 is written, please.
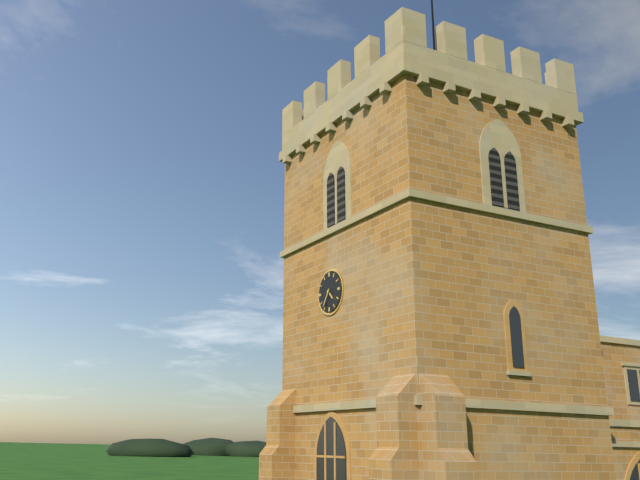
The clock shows 4:36
